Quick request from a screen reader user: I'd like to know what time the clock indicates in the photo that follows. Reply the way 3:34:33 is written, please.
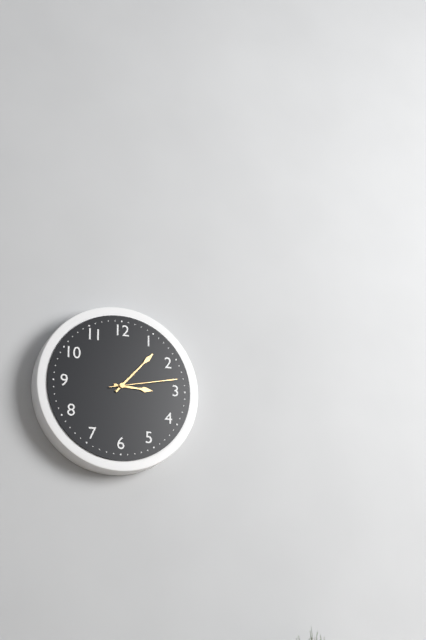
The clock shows 3:07:13
